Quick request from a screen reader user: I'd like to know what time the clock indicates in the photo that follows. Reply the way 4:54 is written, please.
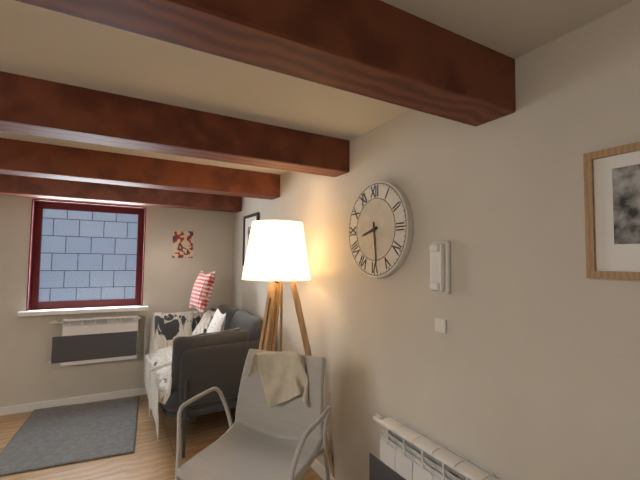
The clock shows 8:29
